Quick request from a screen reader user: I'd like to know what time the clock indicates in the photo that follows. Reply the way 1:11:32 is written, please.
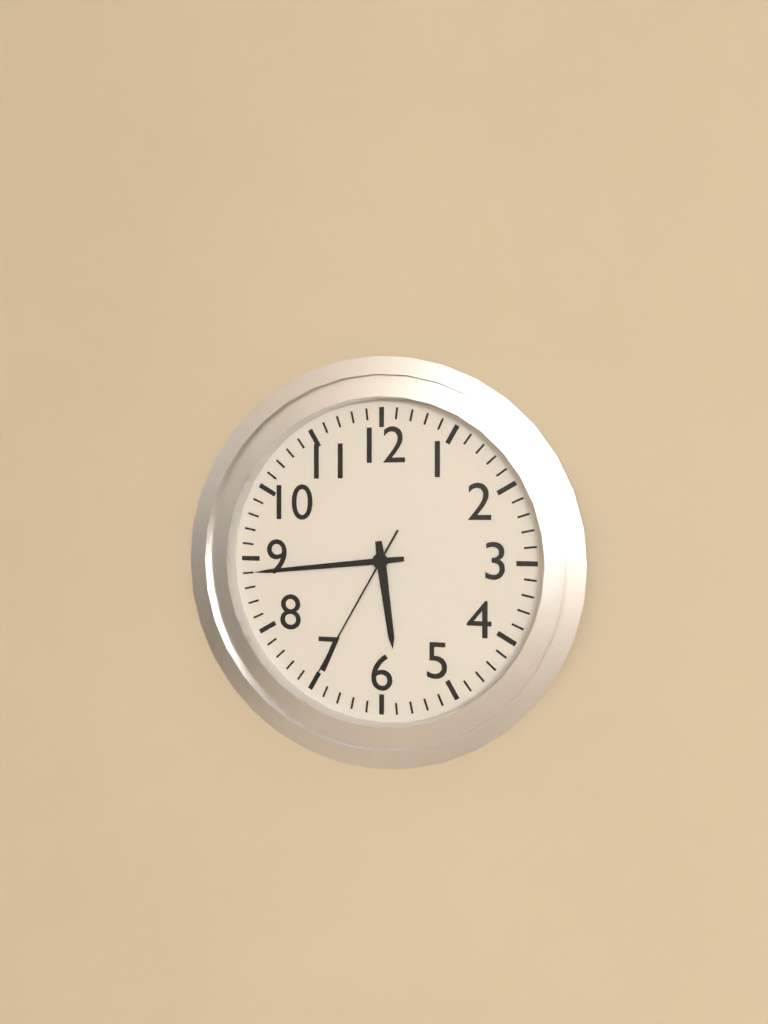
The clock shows 5:44:35
